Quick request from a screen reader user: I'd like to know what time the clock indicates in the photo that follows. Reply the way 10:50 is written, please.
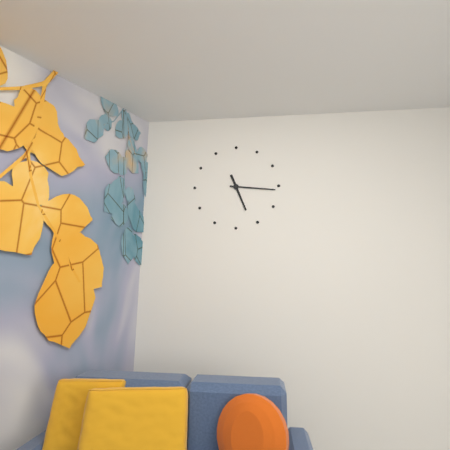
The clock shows 5:16
